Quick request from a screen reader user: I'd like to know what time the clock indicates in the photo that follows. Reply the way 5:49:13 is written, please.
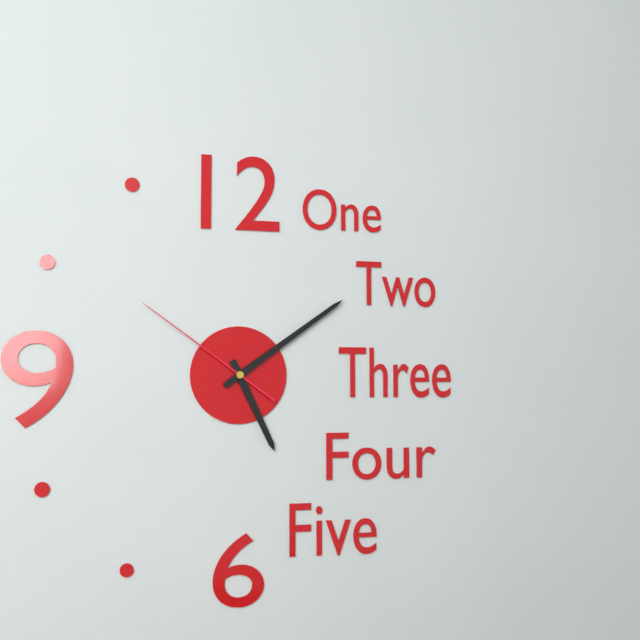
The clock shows 5:09:51
